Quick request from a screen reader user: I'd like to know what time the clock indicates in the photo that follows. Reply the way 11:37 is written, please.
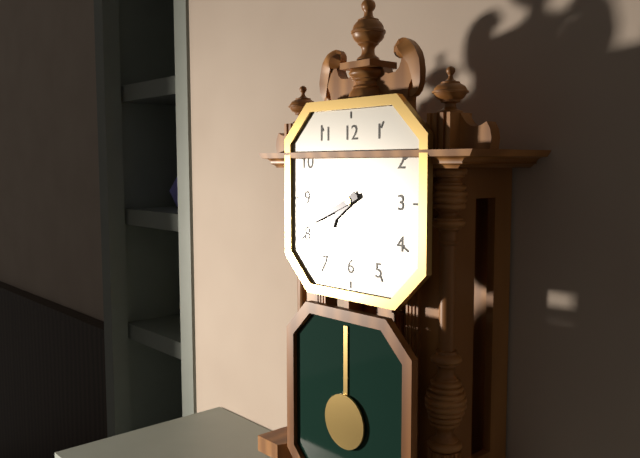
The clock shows 7:41
